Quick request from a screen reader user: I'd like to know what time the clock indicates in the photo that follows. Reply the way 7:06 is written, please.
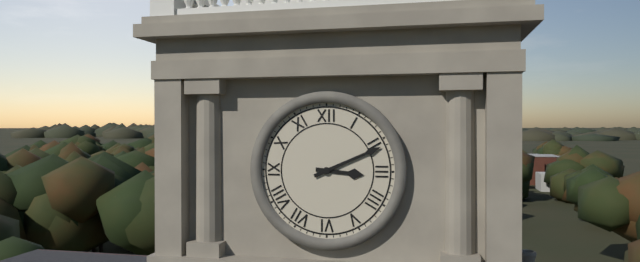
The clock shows 3:11
